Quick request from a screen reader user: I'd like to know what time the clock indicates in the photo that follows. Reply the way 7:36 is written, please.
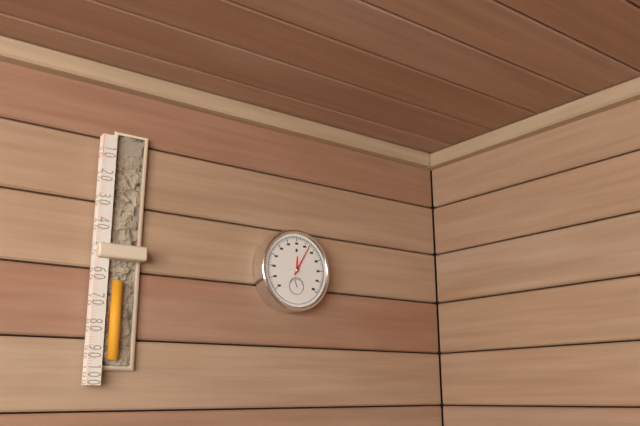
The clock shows 12:05
